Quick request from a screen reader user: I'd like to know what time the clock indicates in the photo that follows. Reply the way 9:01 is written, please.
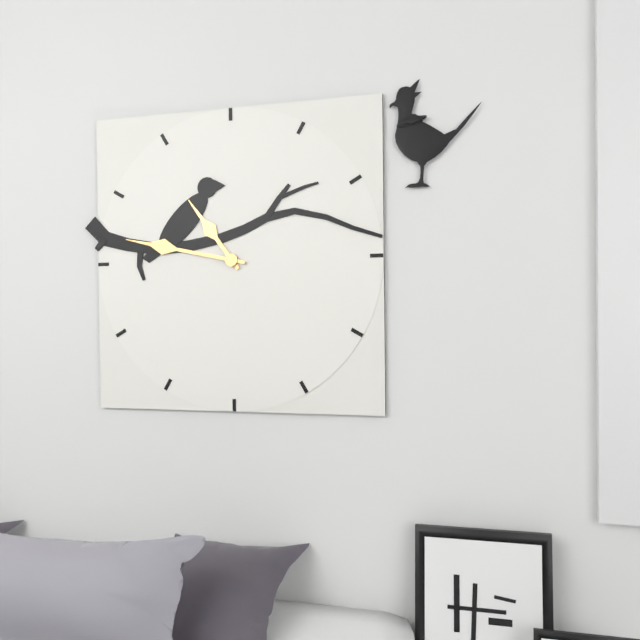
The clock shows 10:47
